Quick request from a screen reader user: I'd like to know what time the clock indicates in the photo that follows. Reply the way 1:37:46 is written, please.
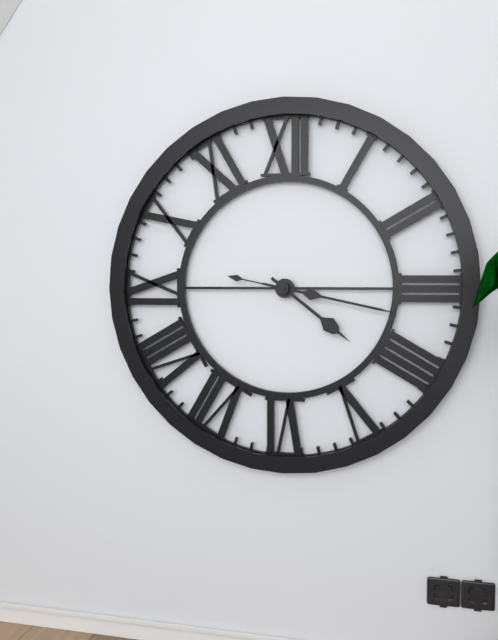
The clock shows 4:17:17
